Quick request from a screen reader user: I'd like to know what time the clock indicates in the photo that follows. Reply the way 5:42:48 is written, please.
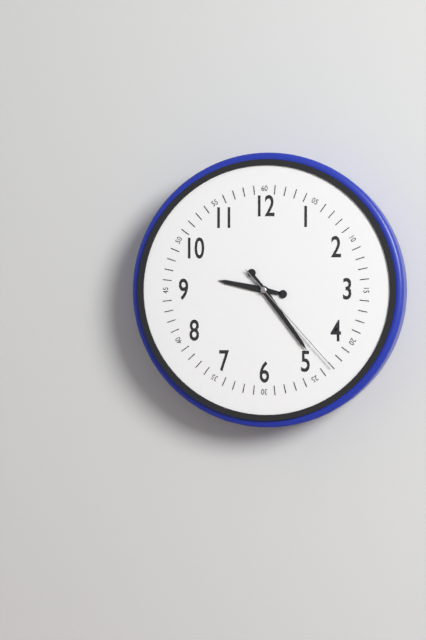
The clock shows 9:24:23
